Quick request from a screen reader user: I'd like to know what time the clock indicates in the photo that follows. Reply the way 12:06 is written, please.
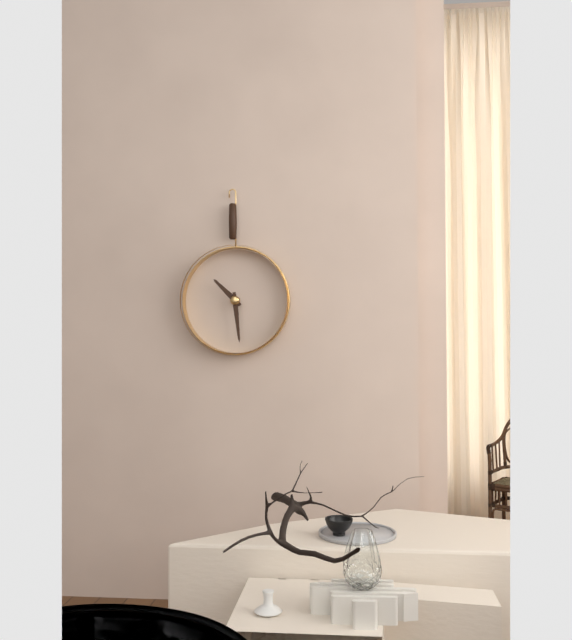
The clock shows 10:29
